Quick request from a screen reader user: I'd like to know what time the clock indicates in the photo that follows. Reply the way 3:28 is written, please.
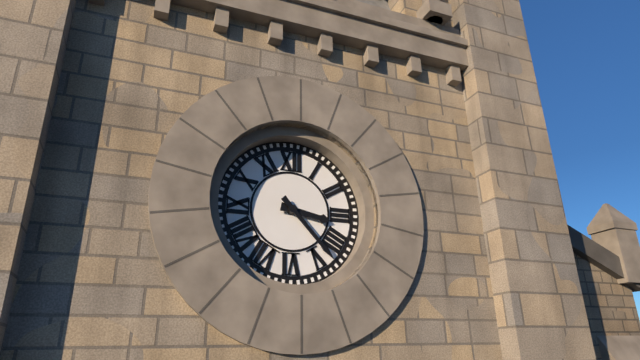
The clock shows 3:23
